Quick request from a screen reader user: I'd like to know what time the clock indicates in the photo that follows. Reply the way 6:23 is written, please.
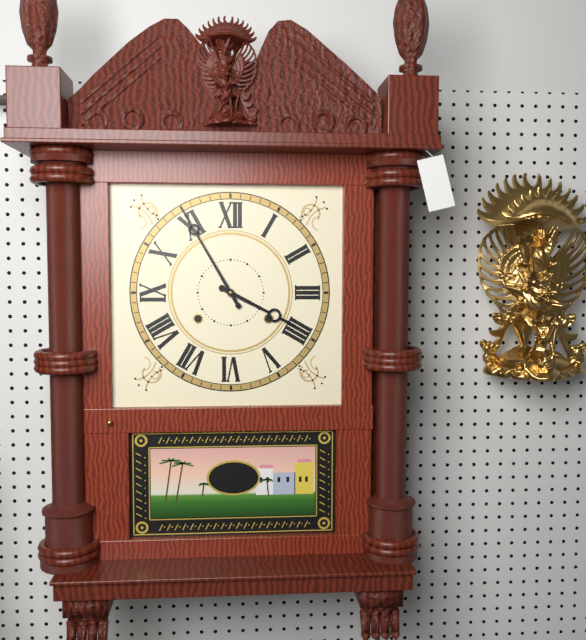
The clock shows 3:55
